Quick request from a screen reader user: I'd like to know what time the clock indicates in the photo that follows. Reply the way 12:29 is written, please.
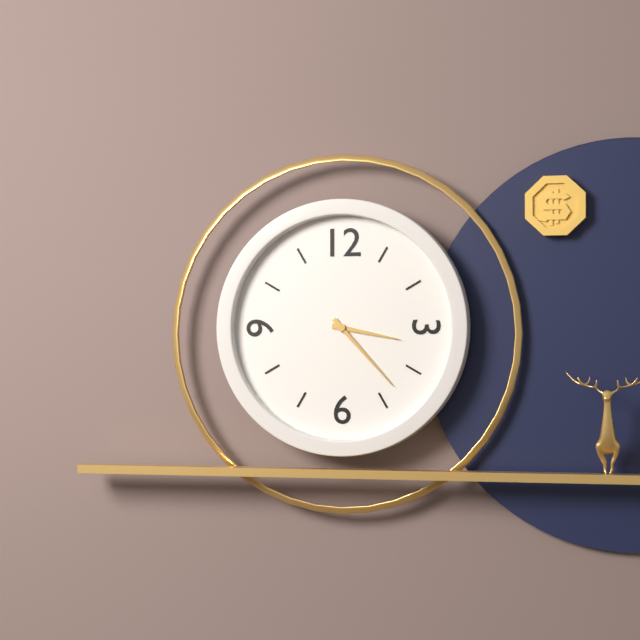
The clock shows 3:23
